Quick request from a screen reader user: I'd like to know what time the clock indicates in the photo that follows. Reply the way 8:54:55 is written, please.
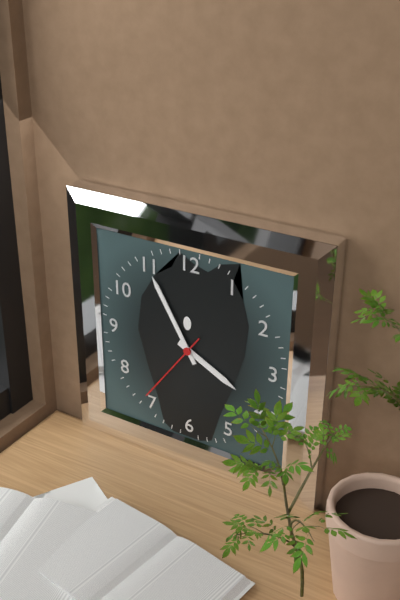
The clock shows 3:55:36
